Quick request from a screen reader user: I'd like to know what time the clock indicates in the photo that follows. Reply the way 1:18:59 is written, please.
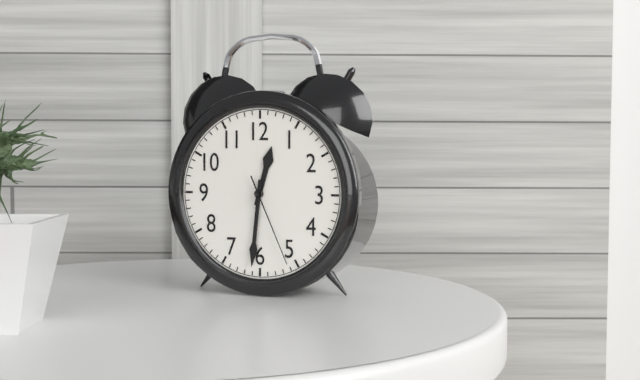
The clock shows 12:31:26
